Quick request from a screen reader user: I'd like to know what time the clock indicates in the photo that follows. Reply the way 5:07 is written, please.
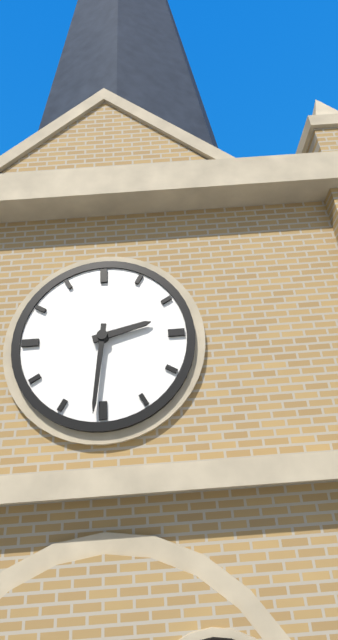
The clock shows 2:31
